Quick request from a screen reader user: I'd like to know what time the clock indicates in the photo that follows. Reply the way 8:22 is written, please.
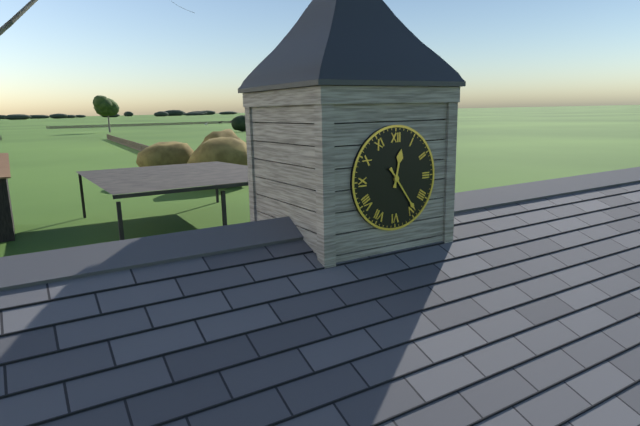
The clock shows 12:24
